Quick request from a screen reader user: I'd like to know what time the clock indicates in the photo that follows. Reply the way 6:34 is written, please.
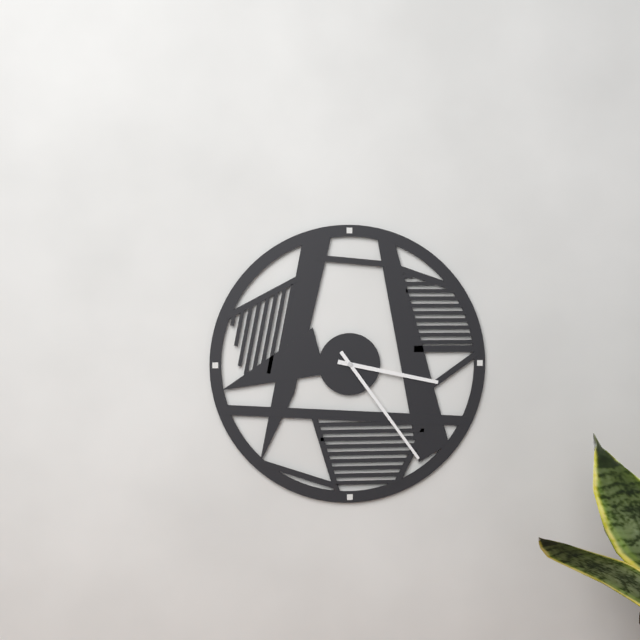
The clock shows 3:24
